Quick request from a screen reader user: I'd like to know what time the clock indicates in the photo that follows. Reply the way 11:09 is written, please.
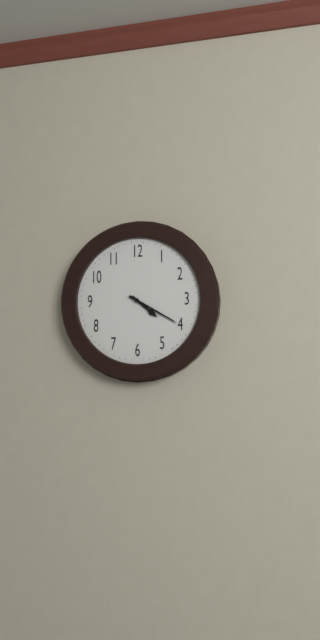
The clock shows 4:20
